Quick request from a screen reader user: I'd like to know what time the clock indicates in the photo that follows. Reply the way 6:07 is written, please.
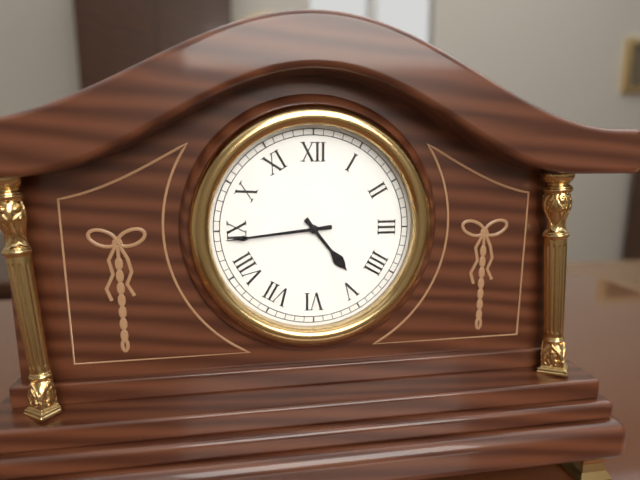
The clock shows 4:44
